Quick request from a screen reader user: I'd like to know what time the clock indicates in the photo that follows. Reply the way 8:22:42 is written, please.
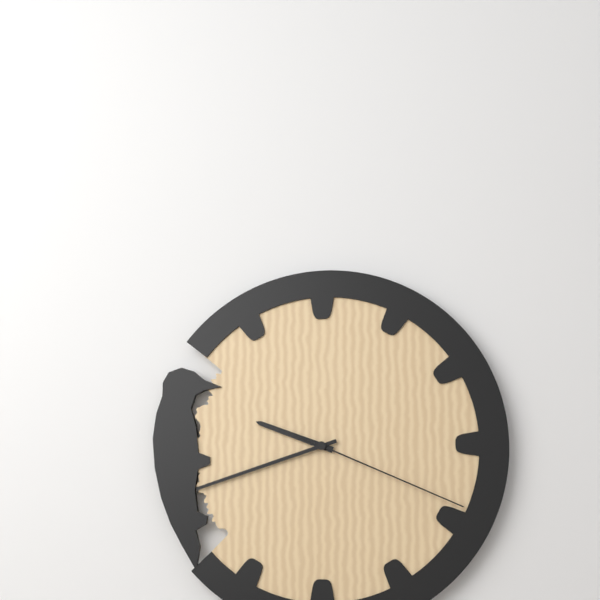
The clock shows 9:42:19
